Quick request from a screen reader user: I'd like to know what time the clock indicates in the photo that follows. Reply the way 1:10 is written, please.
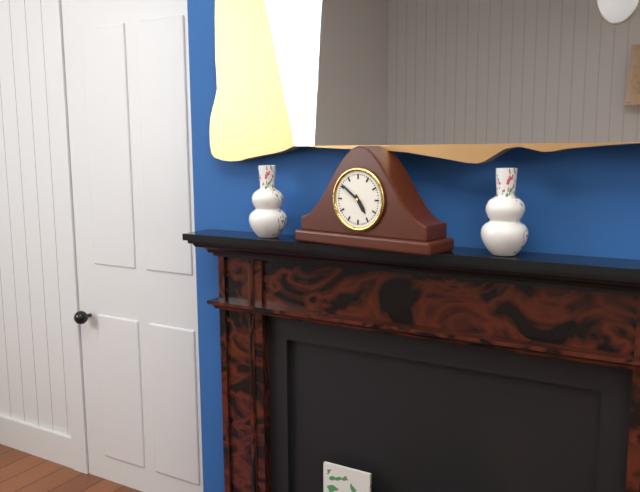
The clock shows 4:51
